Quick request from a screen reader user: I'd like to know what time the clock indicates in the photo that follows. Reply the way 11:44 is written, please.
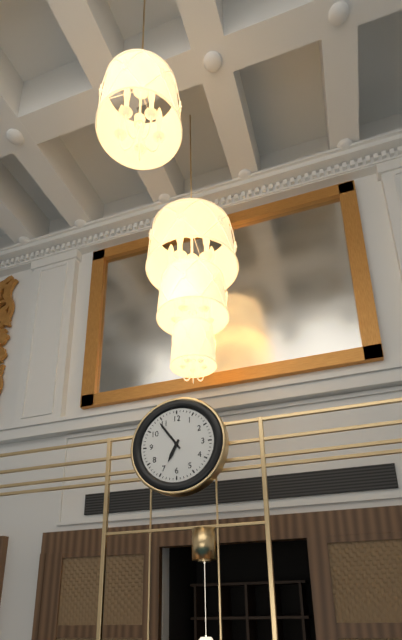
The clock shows 6:54
